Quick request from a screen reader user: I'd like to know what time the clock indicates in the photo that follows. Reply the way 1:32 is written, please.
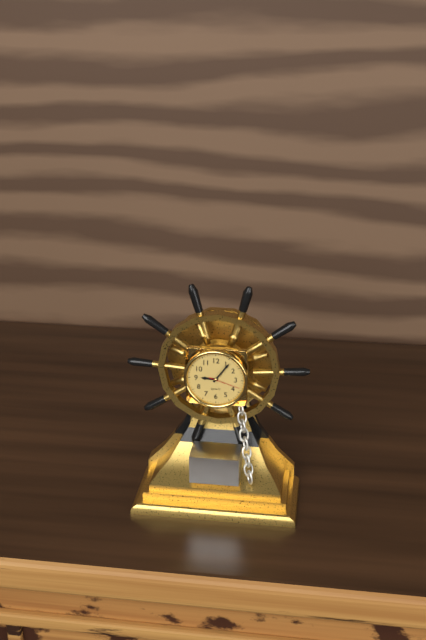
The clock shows 9:06
